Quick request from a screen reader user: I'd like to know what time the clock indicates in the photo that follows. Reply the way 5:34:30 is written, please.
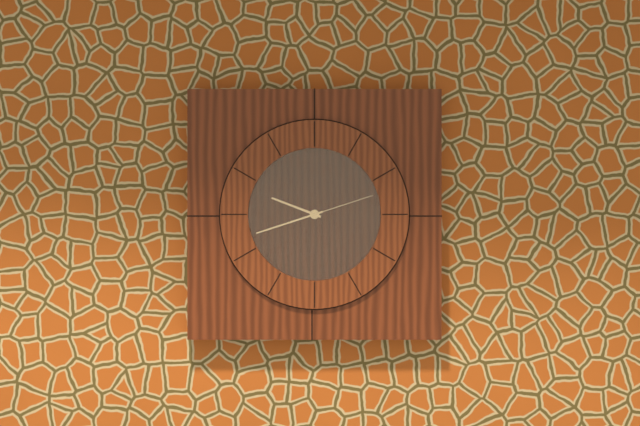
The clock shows 9:42:12
